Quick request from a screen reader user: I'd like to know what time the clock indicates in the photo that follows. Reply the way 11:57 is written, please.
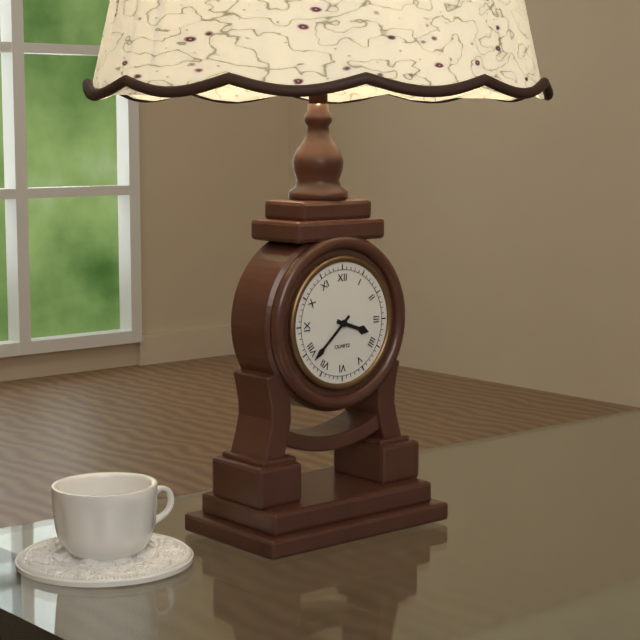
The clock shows 3:38
